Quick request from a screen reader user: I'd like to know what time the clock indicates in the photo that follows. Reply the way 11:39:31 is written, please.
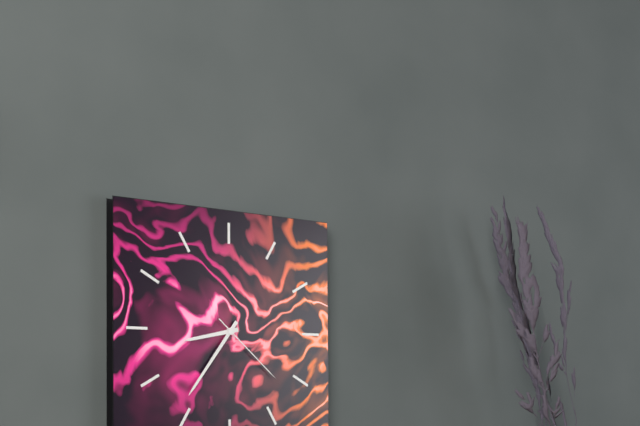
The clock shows 8:36:22
